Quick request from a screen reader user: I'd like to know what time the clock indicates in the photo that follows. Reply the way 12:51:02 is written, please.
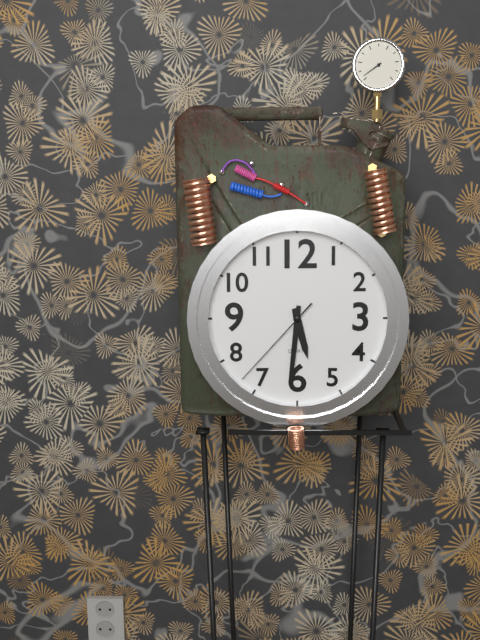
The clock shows 5:31:37
